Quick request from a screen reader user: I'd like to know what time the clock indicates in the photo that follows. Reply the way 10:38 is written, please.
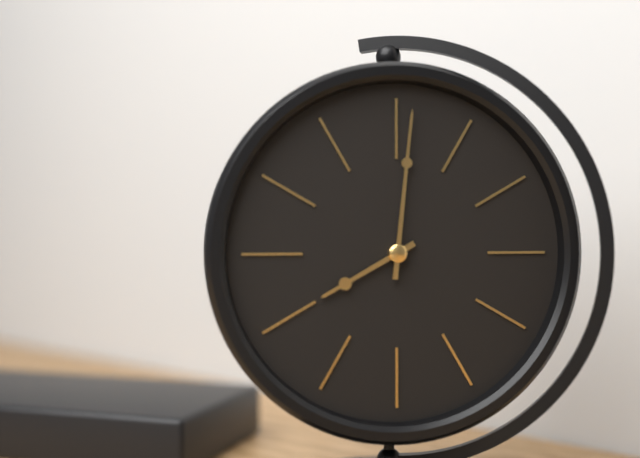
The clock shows 8:01
